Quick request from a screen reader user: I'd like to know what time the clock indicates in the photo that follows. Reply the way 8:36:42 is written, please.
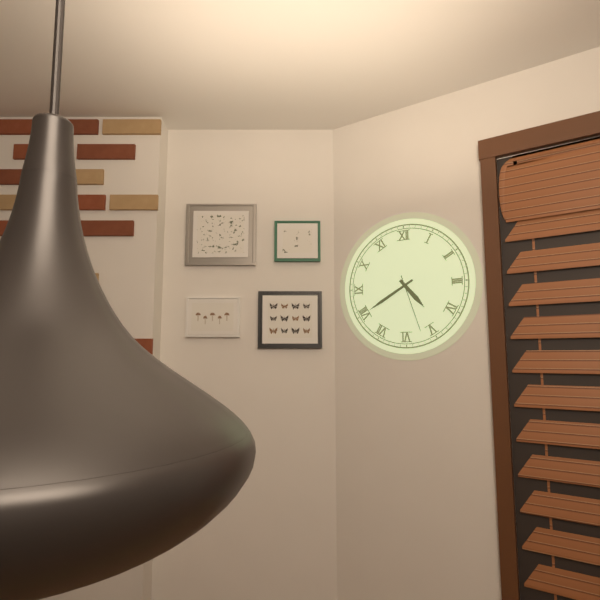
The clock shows 4:40:27
